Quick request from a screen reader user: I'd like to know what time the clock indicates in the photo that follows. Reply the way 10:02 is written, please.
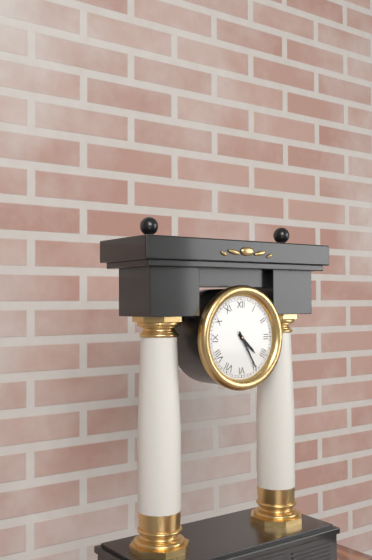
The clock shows 4:25
